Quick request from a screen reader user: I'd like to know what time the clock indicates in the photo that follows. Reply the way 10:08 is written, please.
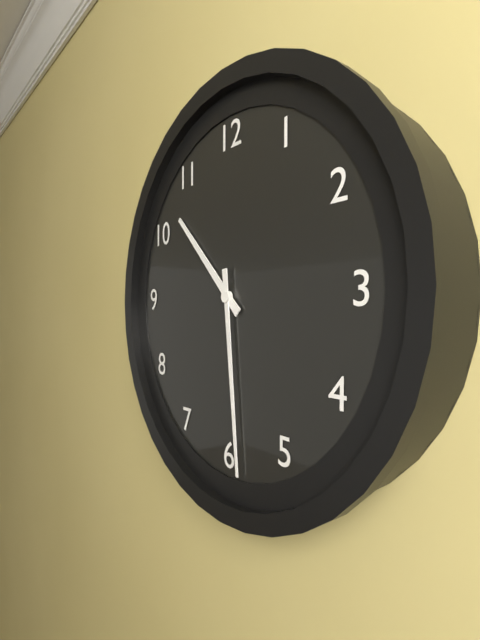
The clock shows 10:29
